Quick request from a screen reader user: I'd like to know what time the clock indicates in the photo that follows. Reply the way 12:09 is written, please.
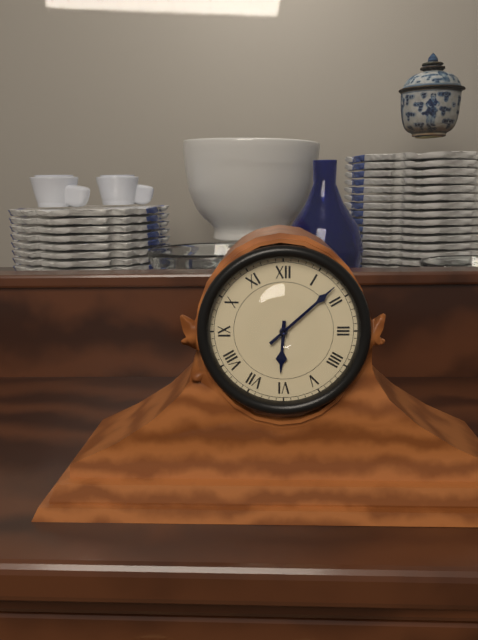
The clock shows 6:08
